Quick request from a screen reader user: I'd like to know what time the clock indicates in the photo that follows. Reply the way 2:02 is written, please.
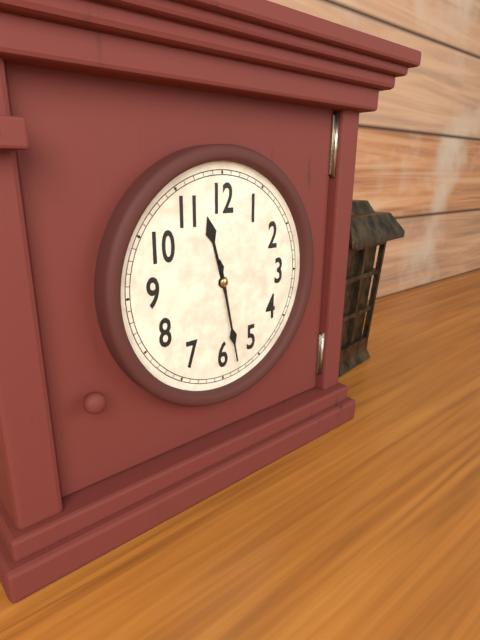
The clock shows 11:28
